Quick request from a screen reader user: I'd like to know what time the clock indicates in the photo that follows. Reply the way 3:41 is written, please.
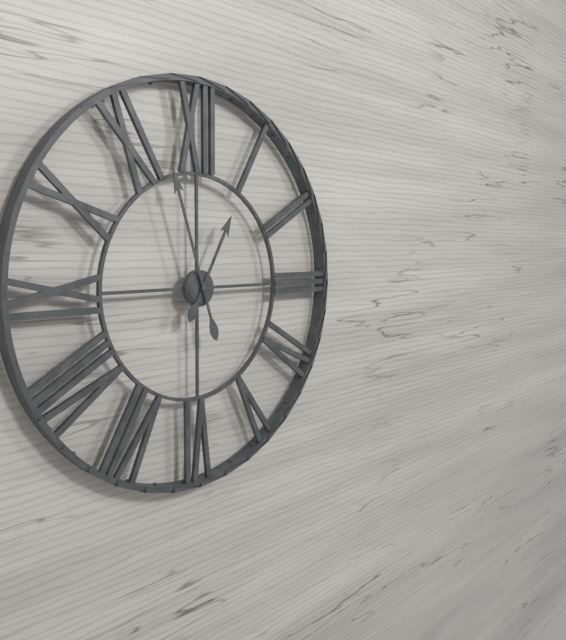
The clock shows 12:57
